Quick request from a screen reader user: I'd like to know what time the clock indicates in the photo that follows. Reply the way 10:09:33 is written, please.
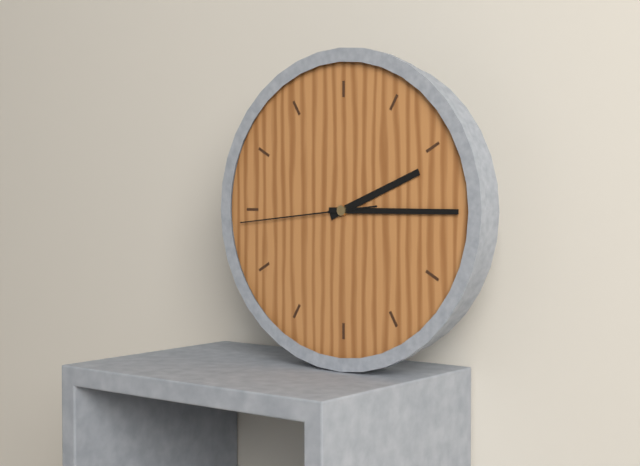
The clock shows 2:15:44
